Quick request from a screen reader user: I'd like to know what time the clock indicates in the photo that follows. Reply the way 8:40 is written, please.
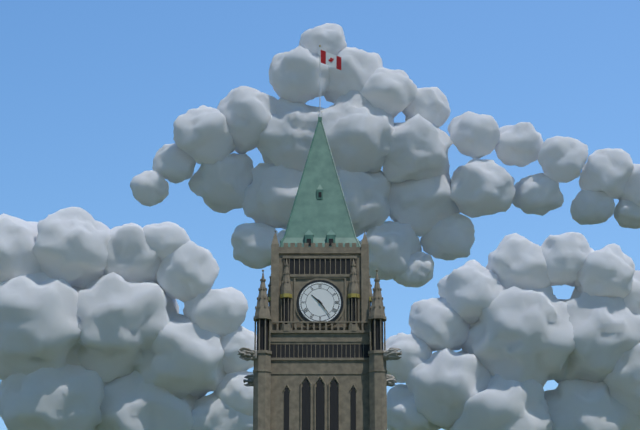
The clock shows 10:24
